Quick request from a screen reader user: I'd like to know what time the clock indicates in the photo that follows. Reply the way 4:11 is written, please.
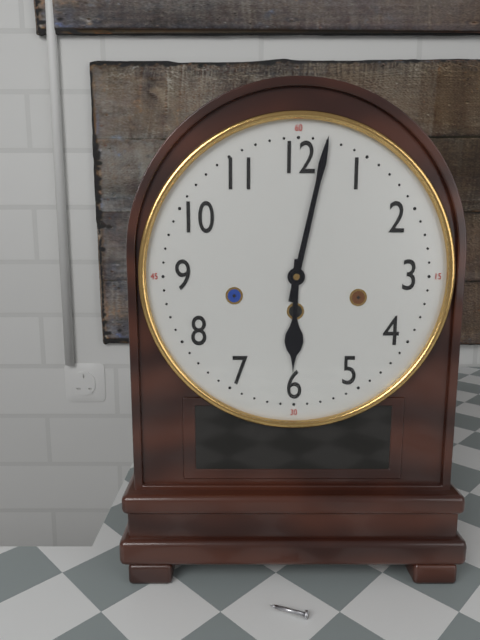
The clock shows 6:02
